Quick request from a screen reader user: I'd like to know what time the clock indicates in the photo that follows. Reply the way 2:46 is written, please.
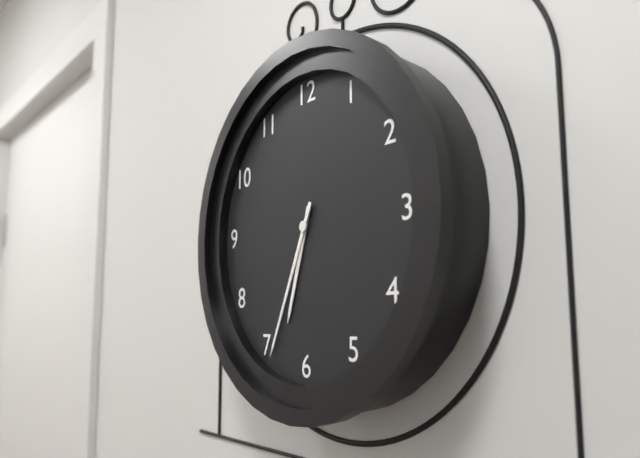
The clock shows 6:34
